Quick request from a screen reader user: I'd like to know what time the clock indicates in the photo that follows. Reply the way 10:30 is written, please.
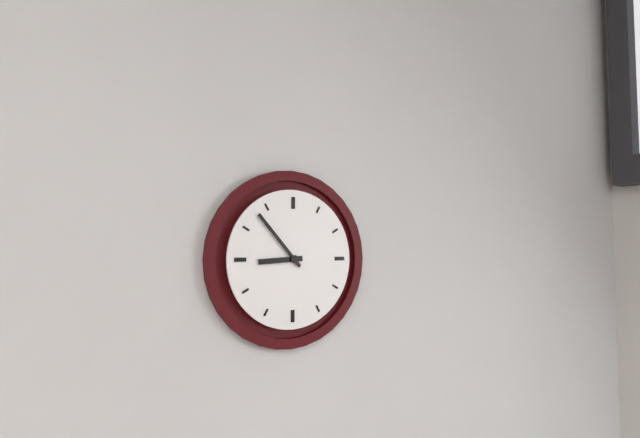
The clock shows 8:53
